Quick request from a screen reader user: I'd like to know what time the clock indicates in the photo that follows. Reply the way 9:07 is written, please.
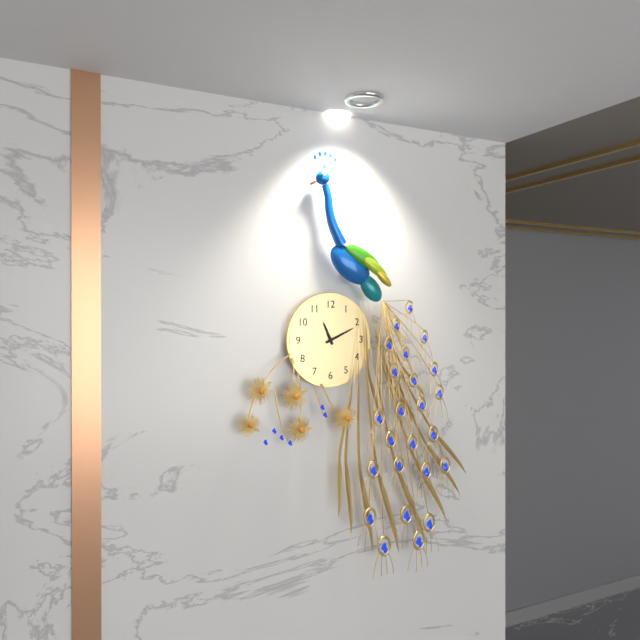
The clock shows 11:11
